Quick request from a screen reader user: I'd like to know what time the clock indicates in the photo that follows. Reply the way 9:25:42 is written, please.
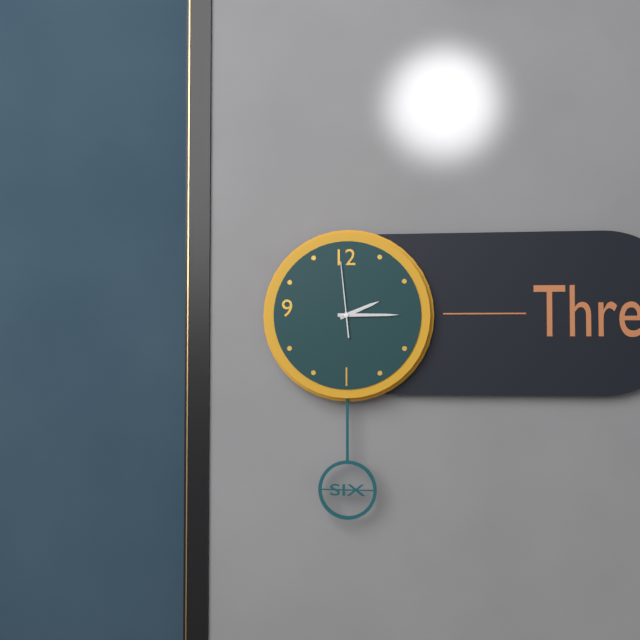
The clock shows 2:15:59
